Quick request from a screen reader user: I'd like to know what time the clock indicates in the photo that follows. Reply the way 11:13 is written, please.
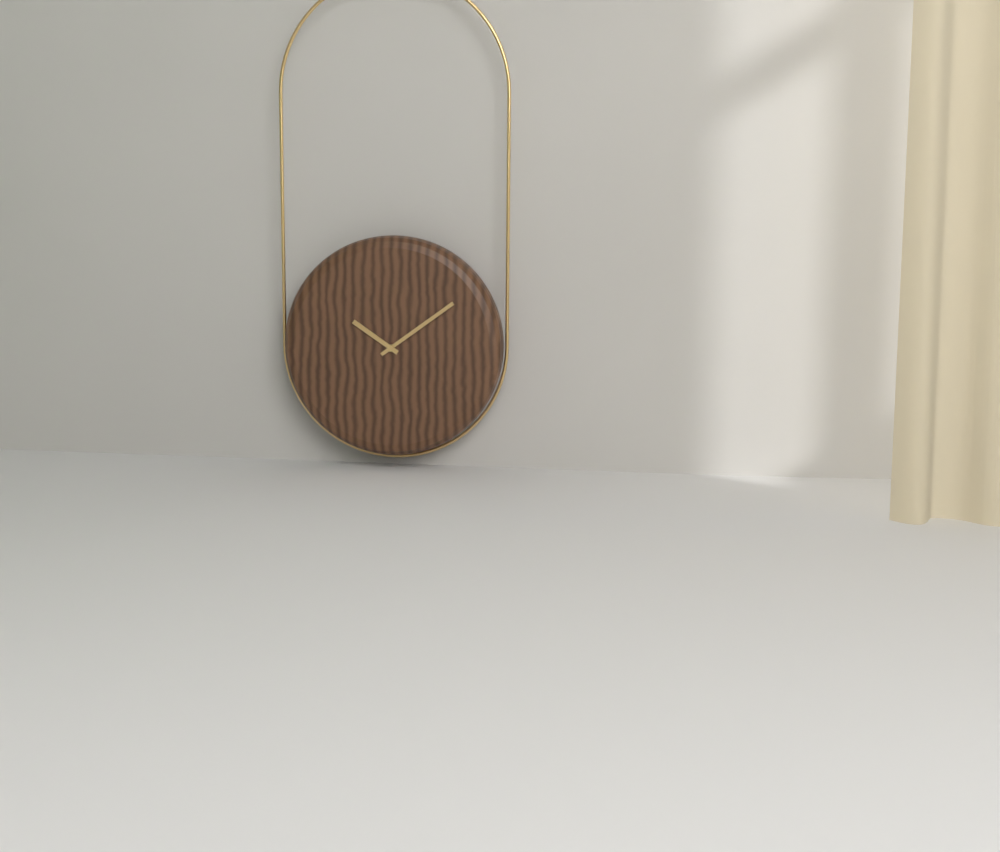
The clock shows 10:09
